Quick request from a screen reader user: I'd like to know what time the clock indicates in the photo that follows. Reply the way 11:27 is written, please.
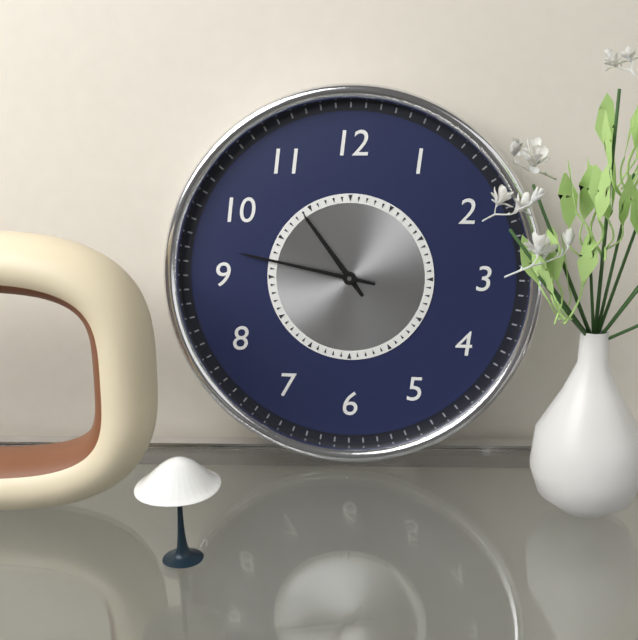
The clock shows 10:47
